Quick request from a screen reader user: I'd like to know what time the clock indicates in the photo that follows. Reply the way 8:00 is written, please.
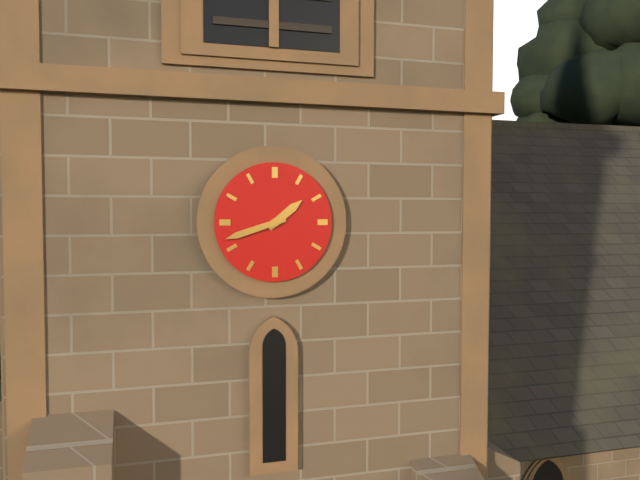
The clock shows 1:42
